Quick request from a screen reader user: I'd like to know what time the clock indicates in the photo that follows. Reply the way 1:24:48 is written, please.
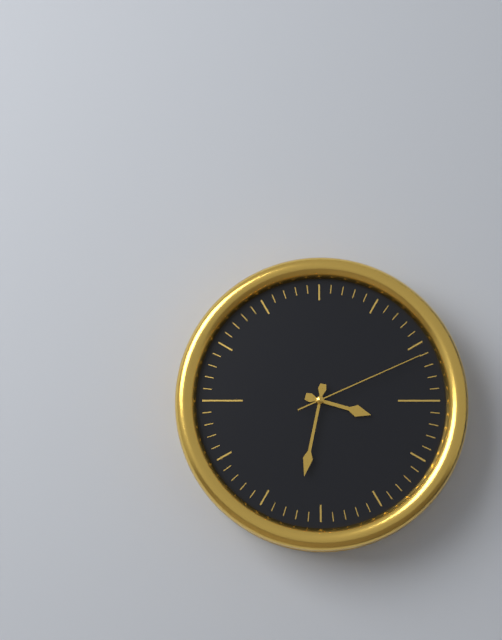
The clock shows 3:32:11
